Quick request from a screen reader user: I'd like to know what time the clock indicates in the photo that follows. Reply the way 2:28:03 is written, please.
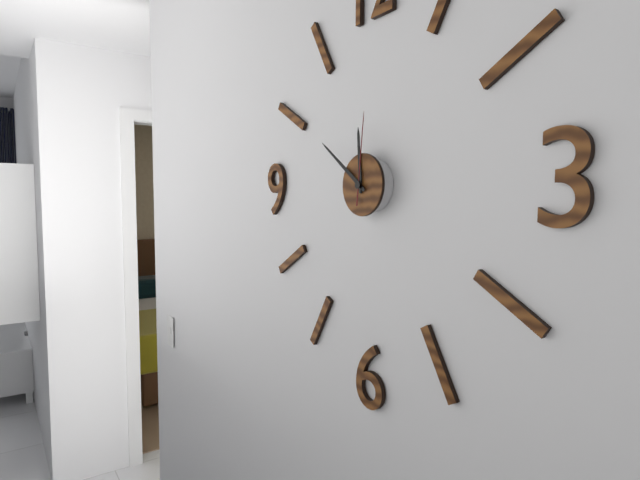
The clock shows 11:51:01
